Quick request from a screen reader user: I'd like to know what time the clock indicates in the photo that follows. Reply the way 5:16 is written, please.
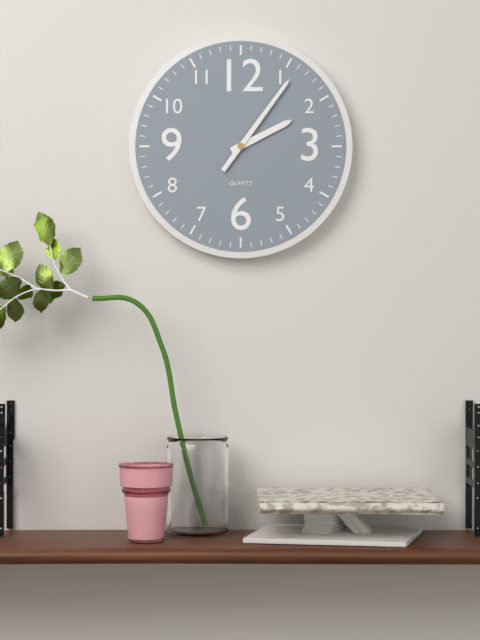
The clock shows 2:06
